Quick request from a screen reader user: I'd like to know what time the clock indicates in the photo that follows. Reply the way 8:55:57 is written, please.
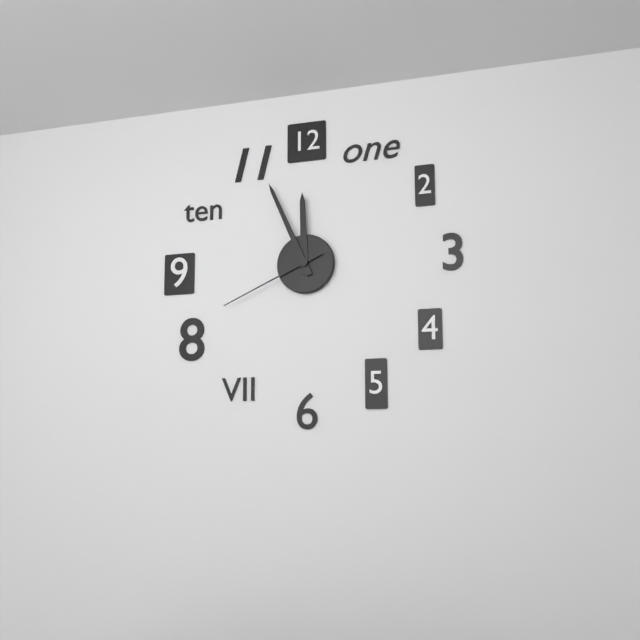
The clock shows 11:56:41
